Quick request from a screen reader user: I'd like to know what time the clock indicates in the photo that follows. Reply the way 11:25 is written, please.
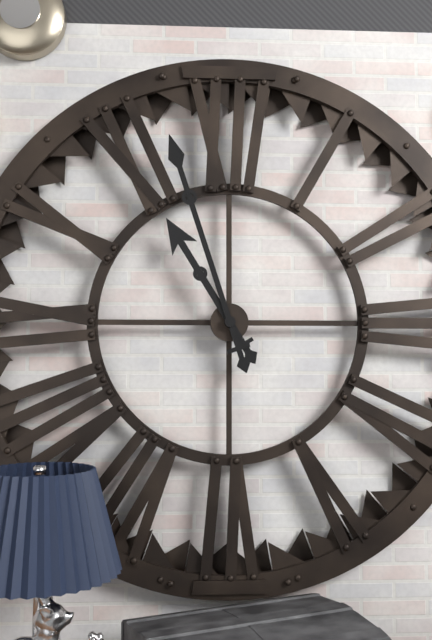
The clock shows 10:57
